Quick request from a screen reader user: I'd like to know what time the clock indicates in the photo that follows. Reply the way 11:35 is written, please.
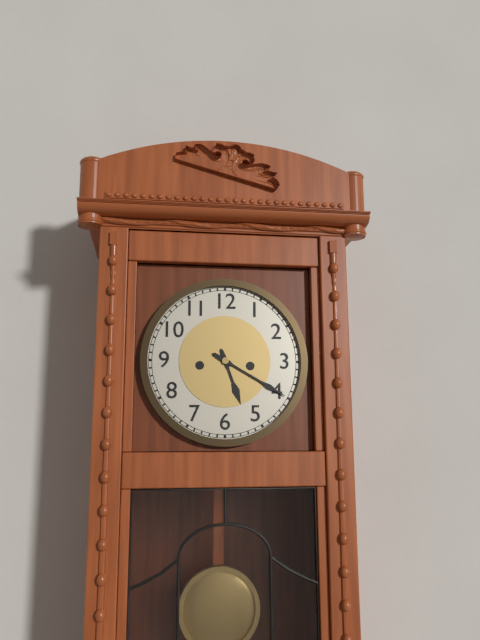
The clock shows 5:20
